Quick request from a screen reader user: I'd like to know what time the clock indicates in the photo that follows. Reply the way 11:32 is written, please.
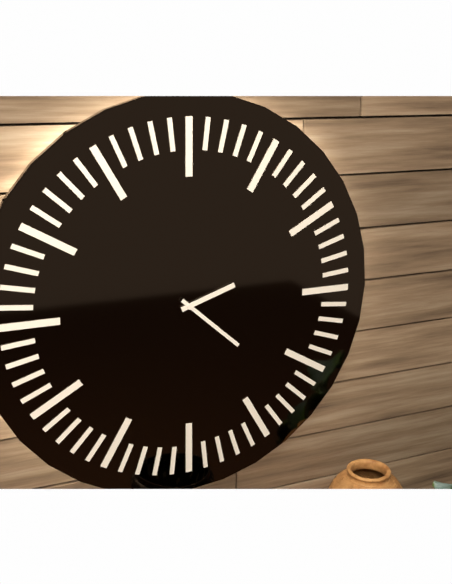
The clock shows 2:22
